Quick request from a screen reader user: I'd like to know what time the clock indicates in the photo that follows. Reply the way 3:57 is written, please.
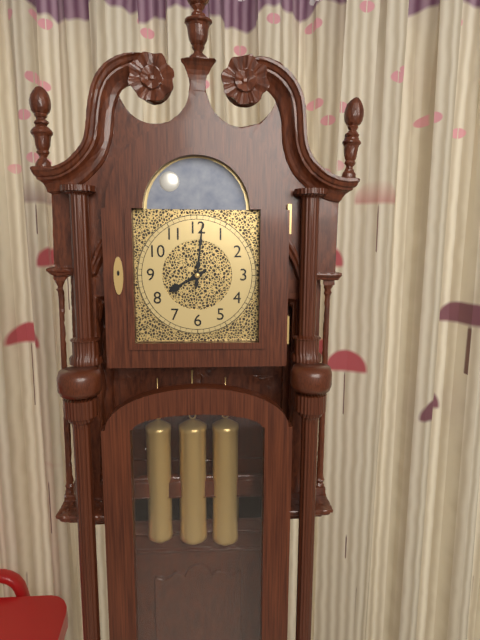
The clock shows 8:01
